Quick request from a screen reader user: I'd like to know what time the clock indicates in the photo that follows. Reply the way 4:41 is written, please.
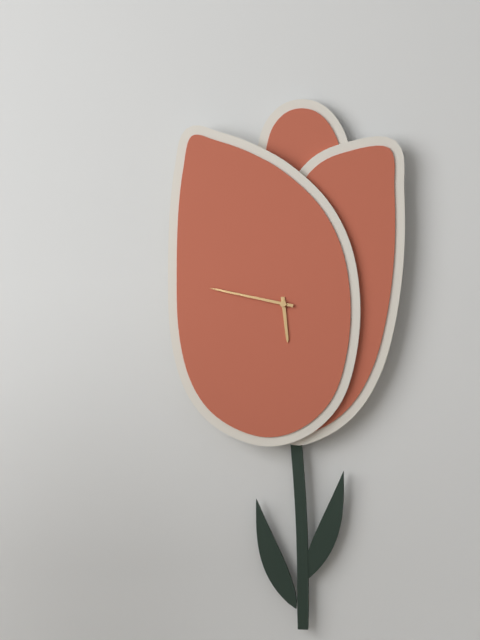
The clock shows 5:47
